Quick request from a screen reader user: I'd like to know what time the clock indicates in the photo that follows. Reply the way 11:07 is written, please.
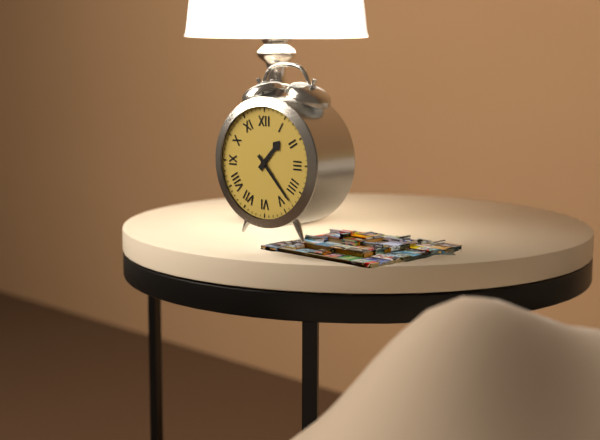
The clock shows 1:23
